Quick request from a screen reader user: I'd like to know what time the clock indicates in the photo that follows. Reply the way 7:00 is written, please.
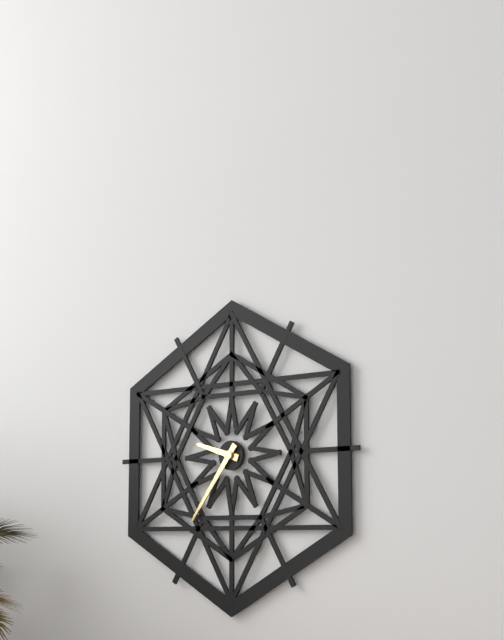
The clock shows 9:36
